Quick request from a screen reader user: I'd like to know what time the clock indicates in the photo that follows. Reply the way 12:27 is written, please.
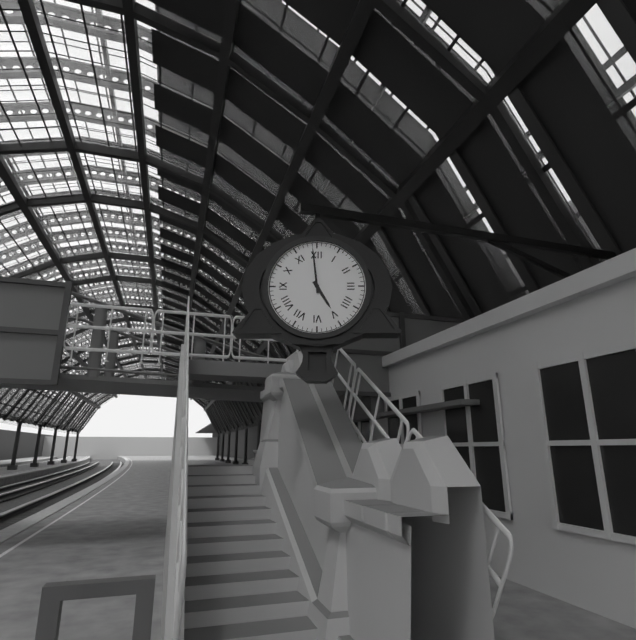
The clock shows 4:59
